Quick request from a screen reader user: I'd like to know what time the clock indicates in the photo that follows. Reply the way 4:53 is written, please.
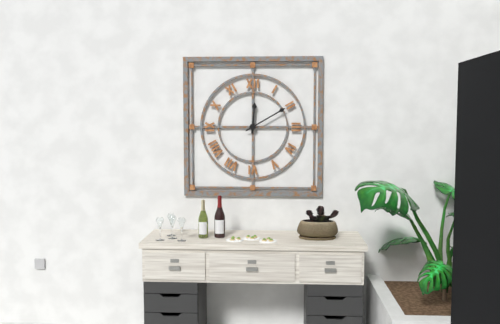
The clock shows 12:10
